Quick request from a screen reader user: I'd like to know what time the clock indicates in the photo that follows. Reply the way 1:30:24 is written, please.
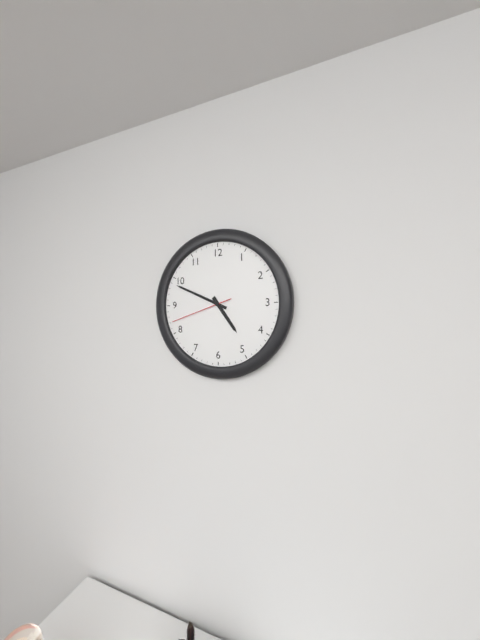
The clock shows 4:49:42
